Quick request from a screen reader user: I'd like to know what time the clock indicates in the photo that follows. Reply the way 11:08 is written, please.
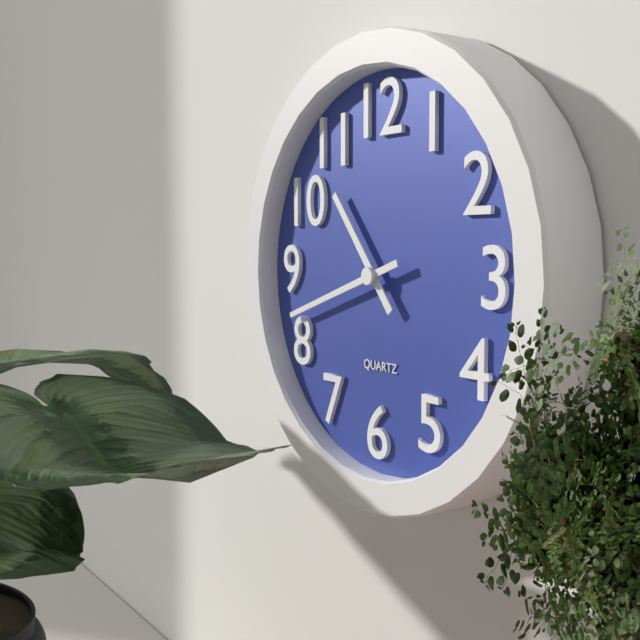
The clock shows 10:42
